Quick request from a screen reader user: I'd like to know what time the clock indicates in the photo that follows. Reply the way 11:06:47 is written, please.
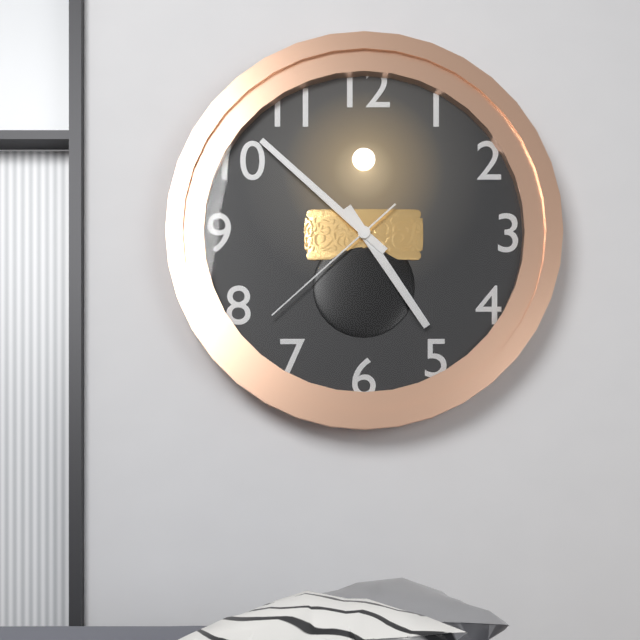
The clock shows 4:52:38
